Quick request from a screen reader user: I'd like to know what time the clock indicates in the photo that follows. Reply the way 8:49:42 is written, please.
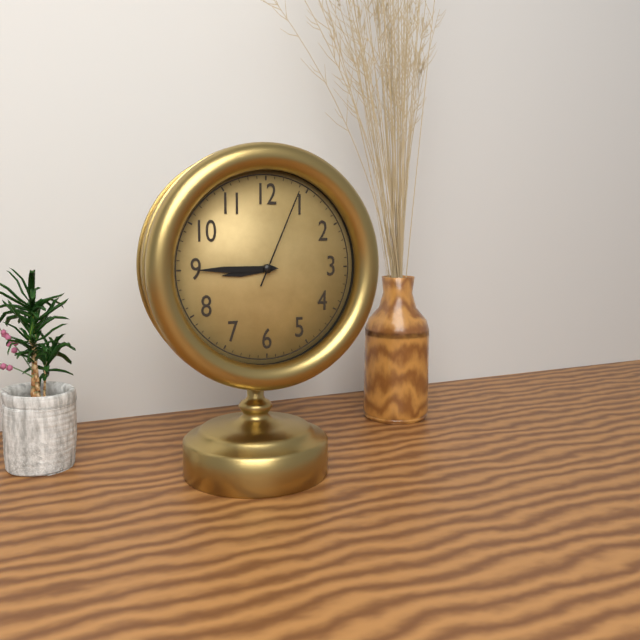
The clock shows 8:45:04
